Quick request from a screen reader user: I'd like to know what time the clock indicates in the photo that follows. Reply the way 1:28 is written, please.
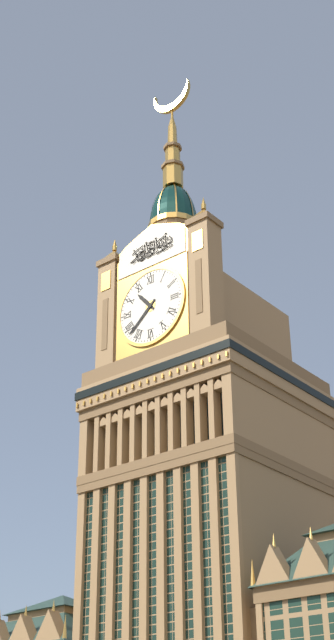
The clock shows 10:38
